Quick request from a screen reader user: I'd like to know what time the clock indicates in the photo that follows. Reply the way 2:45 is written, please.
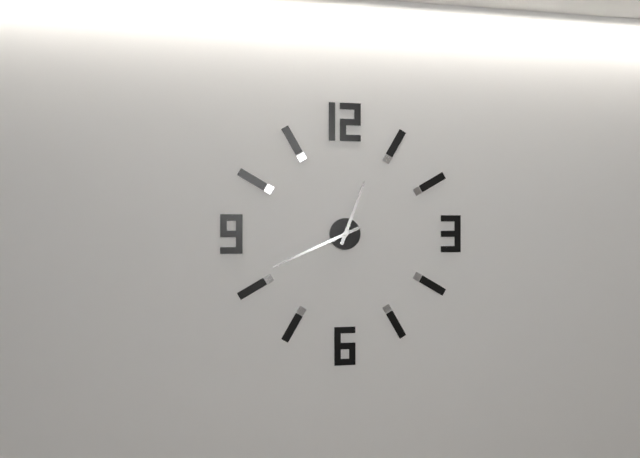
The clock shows 12:41
